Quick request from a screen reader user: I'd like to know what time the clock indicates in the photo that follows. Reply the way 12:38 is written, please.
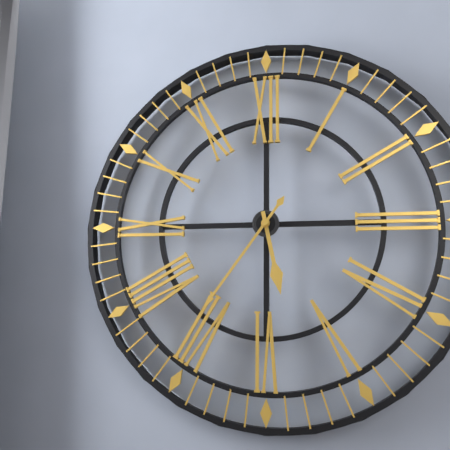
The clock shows 5:36
